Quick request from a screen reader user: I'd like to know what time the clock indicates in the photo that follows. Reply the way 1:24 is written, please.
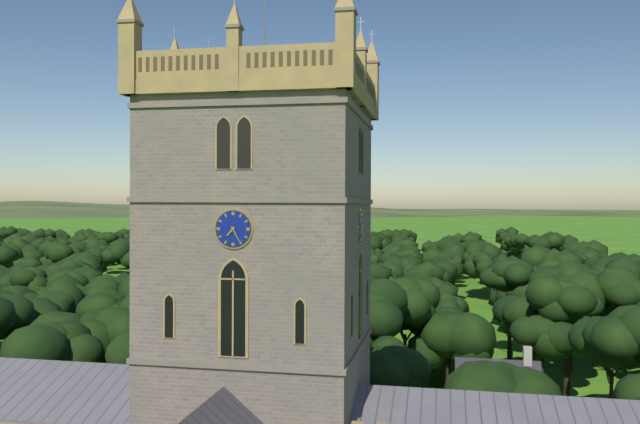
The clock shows 7:25
